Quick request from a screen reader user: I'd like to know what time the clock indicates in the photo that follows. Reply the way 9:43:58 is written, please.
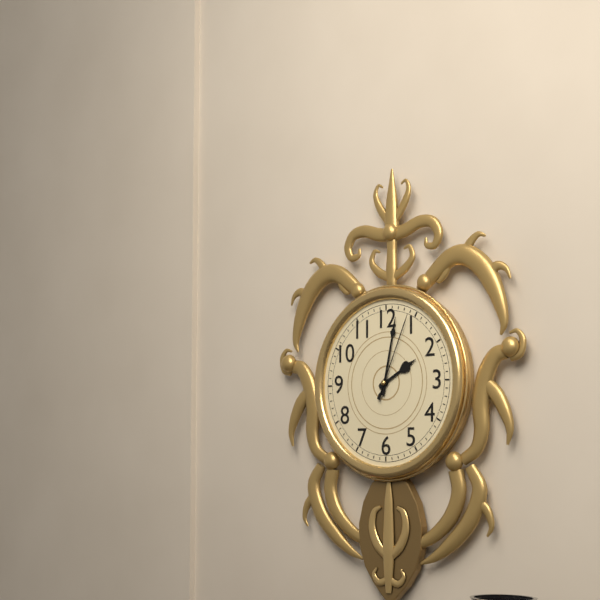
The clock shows 2:02:04
